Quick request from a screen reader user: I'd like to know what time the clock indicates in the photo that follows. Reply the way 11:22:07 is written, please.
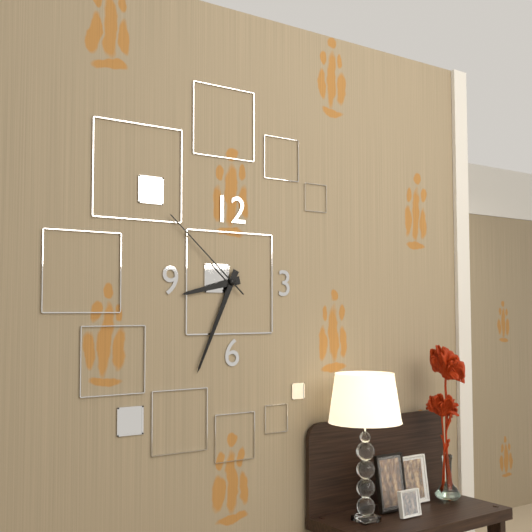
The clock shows 8:34:52
